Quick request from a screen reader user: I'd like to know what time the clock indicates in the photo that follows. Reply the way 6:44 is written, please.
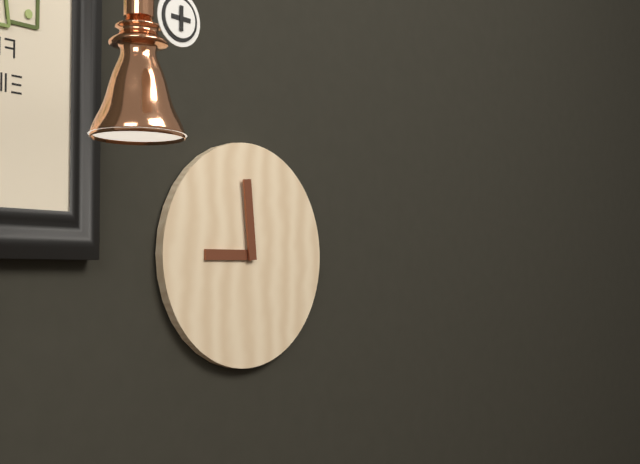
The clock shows 8:59
